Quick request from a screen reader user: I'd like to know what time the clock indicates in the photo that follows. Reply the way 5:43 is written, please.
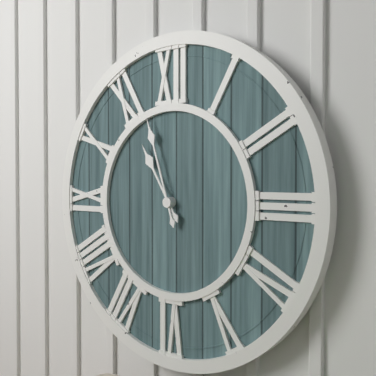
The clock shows 10:57
